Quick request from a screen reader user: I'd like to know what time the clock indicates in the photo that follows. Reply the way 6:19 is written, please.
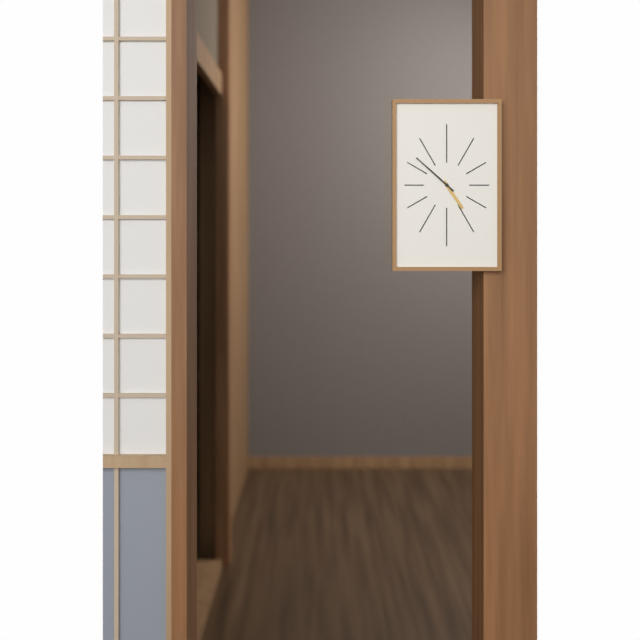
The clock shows 4:52
